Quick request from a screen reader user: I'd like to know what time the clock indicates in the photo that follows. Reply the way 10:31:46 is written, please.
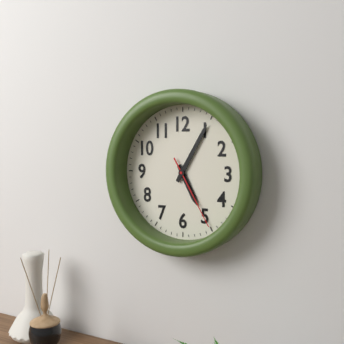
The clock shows 5:05:25
